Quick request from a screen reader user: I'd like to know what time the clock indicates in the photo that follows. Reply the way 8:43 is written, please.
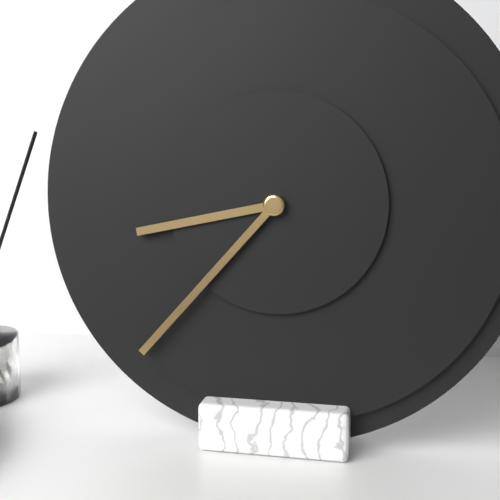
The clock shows 8:37
